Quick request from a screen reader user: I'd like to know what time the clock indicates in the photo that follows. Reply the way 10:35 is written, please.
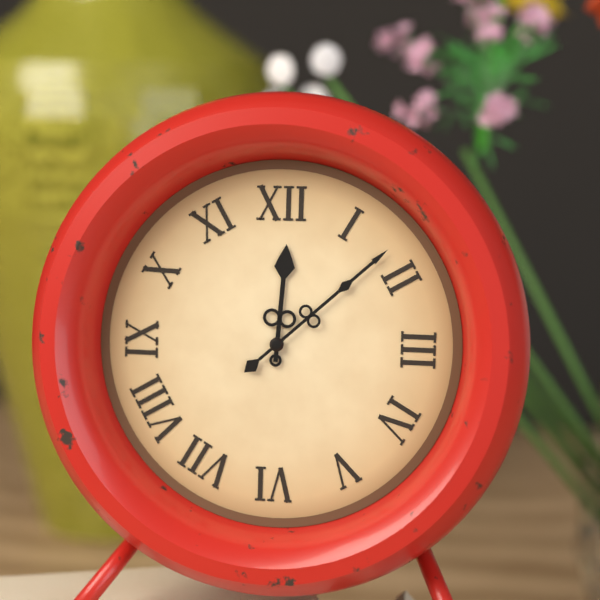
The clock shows 12:08
